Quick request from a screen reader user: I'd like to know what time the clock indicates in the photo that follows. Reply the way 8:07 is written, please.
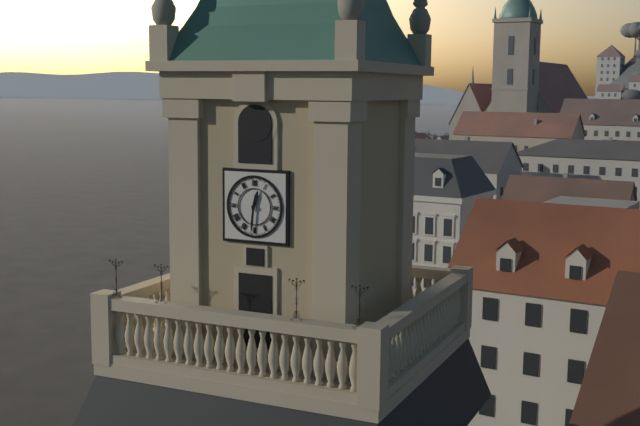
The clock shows 12:31
